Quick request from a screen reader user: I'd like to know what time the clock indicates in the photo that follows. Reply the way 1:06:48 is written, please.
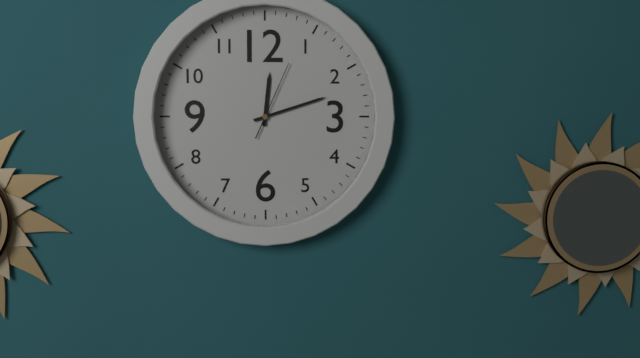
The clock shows 12:12:04
